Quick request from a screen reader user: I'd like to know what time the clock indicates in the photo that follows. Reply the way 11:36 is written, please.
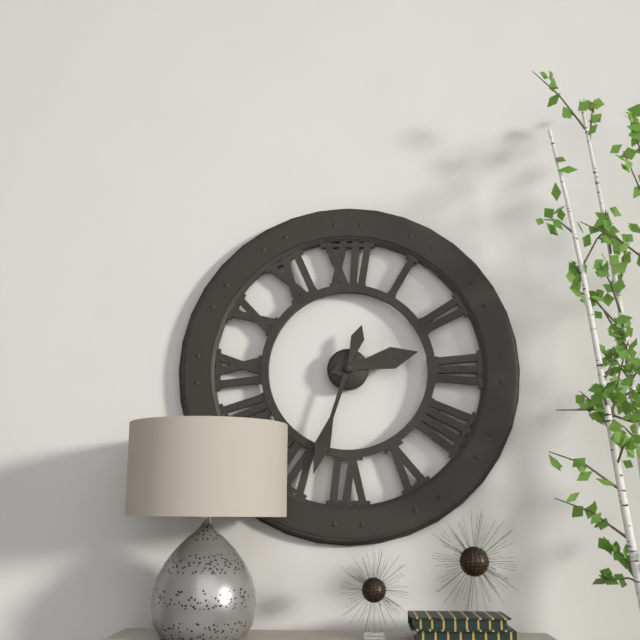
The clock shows 2:33
